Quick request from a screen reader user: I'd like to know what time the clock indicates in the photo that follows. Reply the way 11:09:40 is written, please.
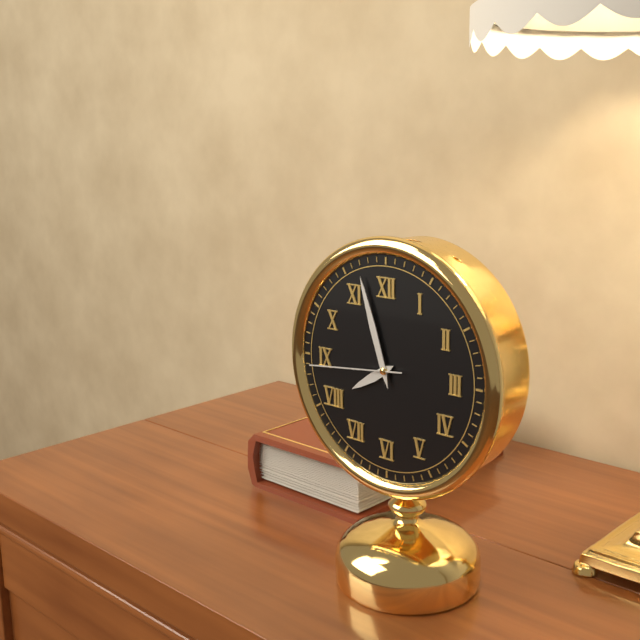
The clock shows 7:57:44
